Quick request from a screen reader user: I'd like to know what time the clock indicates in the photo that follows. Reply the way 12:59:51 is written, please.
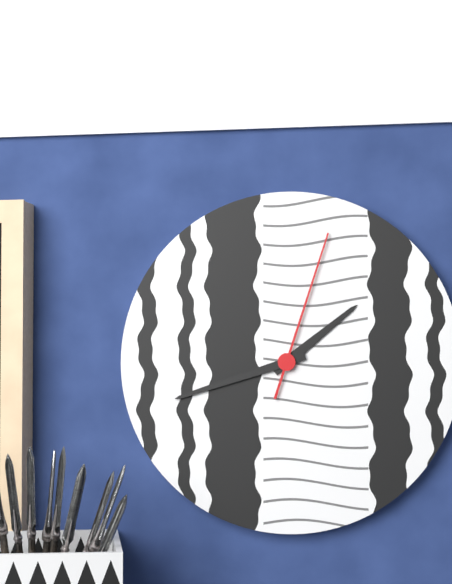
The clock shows 1:42:03
